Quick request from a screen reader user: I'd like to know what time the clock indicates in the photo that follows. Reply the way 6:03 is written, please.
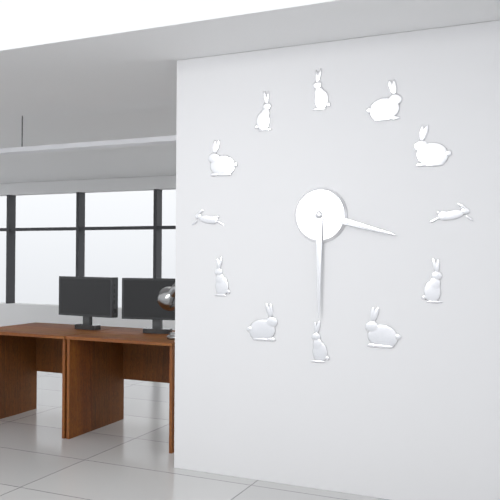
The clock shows 3:30
